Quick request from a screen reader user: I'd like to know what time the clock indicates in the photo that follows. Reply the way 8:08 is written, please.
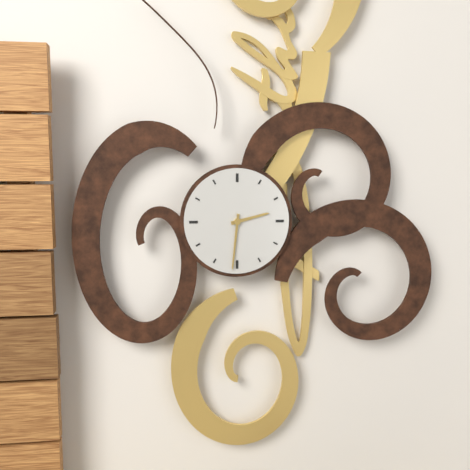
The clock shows 2:31
